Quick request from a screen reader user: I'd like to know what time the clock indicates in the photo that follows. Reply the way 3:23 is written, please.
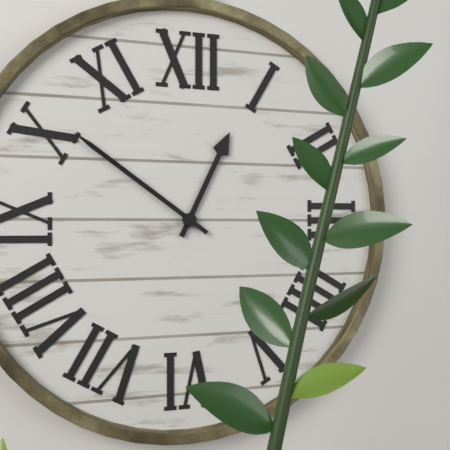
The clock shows 12:51
